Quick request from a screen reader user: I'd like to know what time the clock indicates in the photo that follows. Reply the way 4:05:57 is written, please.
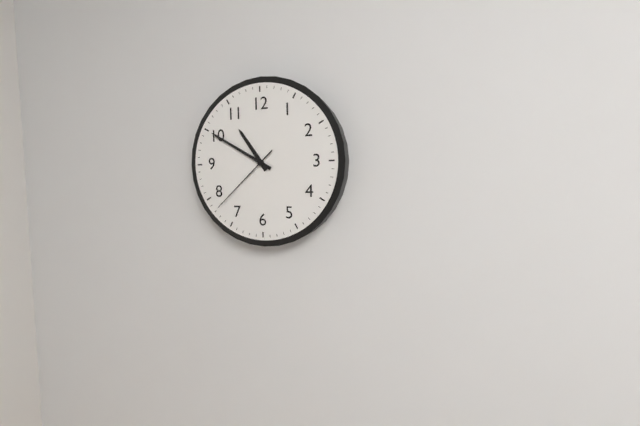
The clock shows 10:50:38
